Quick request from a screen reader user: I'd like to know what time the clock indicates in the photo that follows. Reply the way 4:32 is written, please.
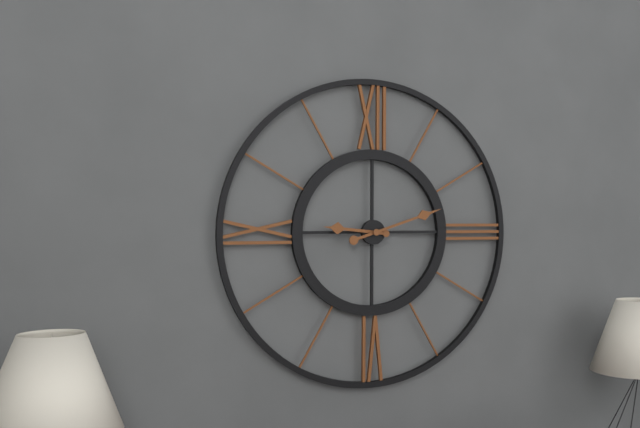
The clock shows 9:12
